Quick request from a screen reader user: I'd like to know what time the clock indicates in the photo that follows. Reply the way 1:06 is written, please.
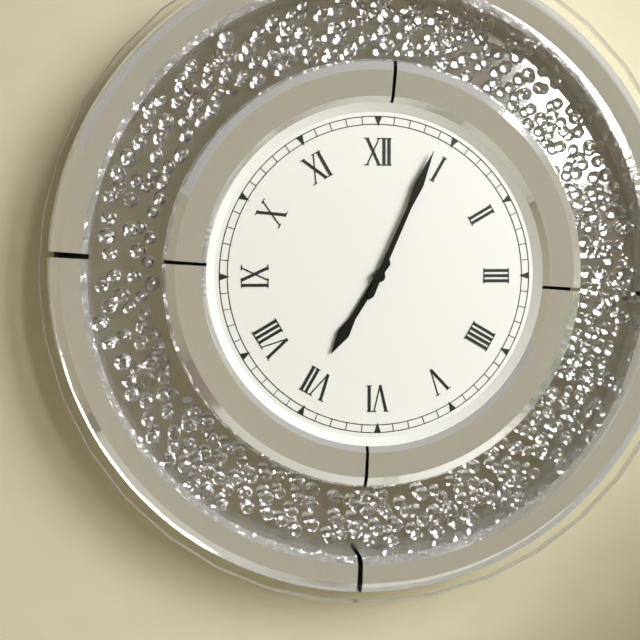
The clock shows 7:04
